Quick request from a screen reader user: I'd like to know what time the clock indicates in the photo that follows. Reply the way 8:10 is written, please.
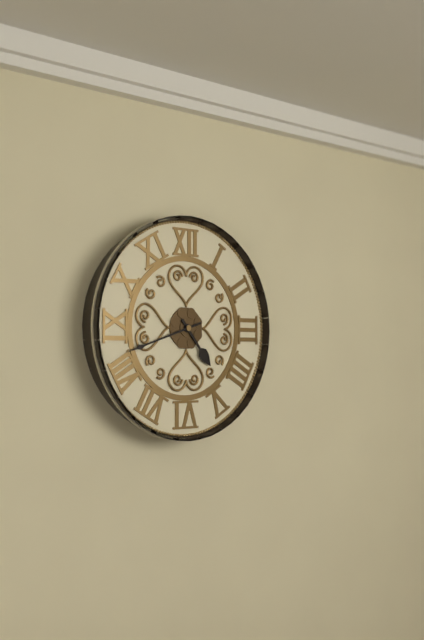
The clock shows 4:42
